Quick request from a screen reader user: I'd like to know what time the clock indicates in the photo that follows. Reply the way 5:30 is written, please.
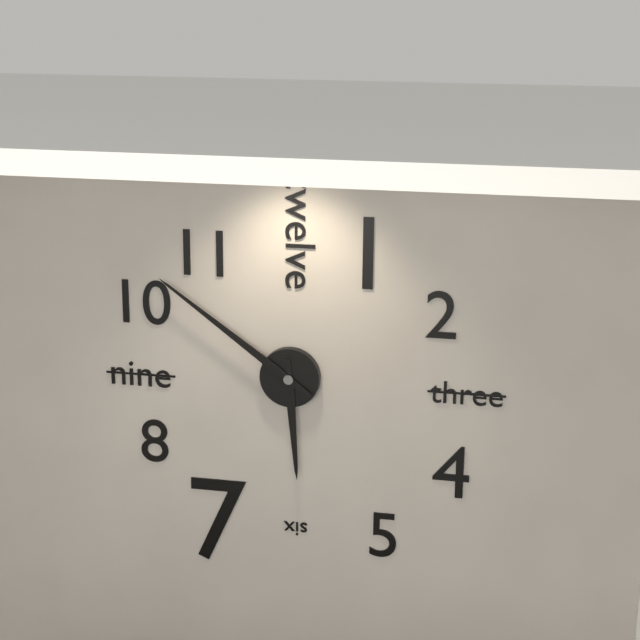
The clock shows 5:51
